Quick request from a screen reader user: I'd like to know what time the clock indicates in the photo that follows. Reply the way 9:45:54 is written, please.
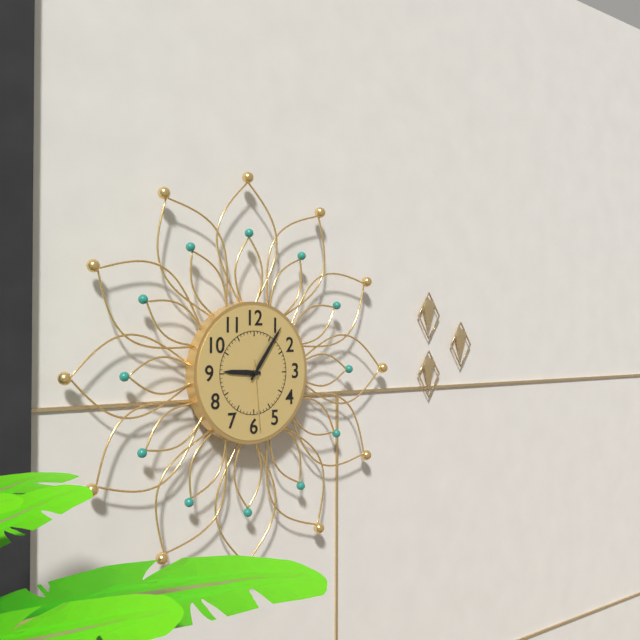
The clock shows 9:06:29
